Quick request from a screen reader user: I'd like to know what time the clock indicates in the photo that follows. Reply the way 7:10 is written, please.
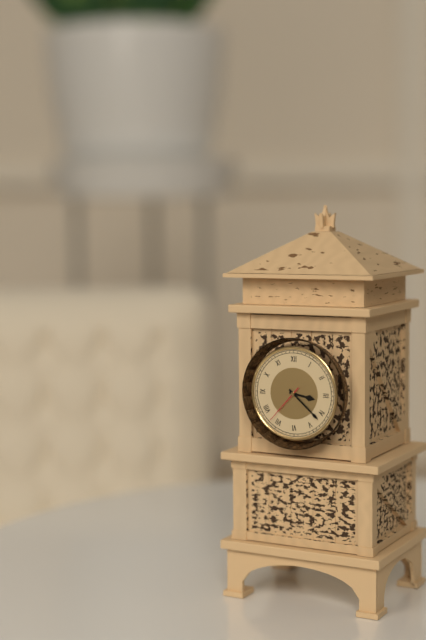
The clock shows 3:22
